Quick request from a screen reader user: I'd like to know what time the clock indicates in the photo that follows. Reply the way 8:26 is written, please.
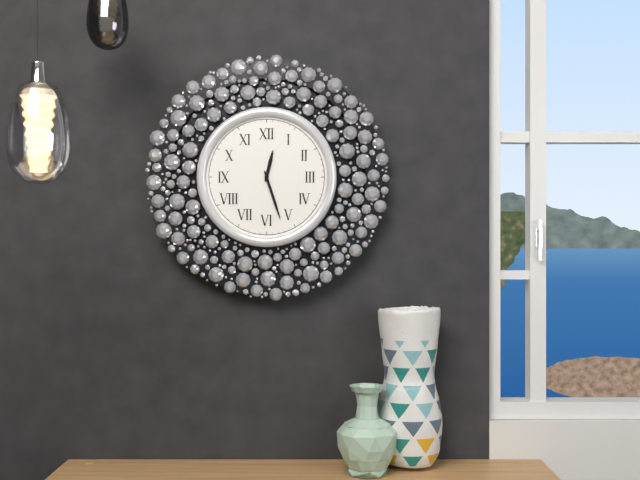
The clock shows 12:27
